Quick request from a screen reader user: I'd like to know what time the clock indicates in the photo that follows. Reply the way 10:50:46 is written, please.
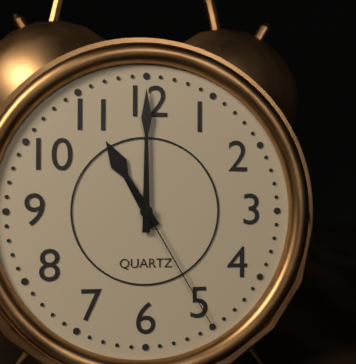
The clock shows 11:00:25
